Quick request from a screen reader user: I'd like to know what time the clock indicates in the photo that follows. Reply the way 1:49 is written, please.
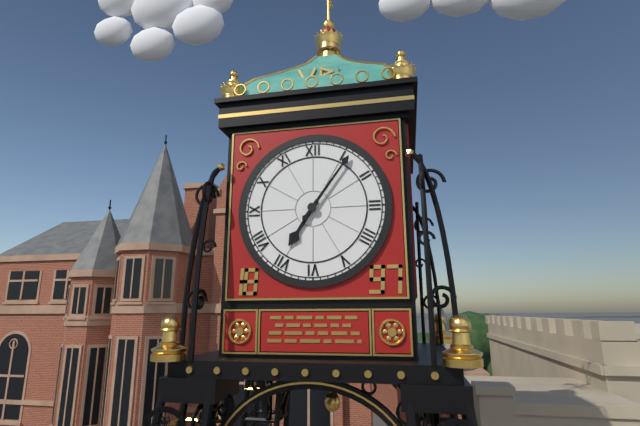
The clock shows 7:06
